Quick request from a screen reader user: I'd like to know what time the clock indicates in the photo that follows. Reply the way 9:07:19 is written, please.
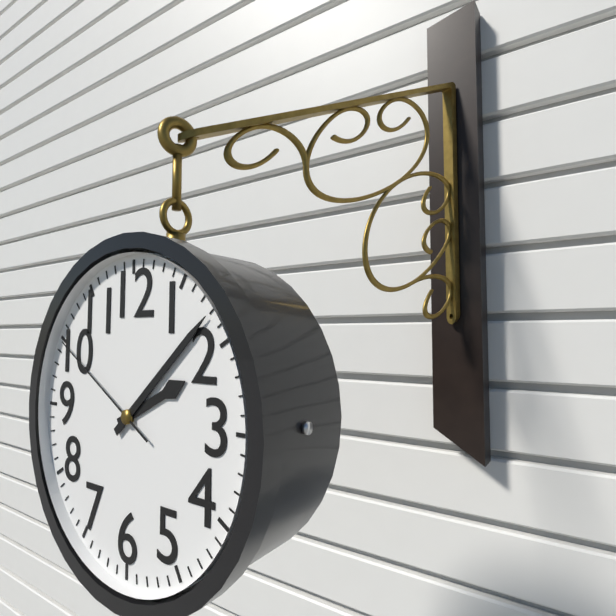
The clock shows 2:08:50
